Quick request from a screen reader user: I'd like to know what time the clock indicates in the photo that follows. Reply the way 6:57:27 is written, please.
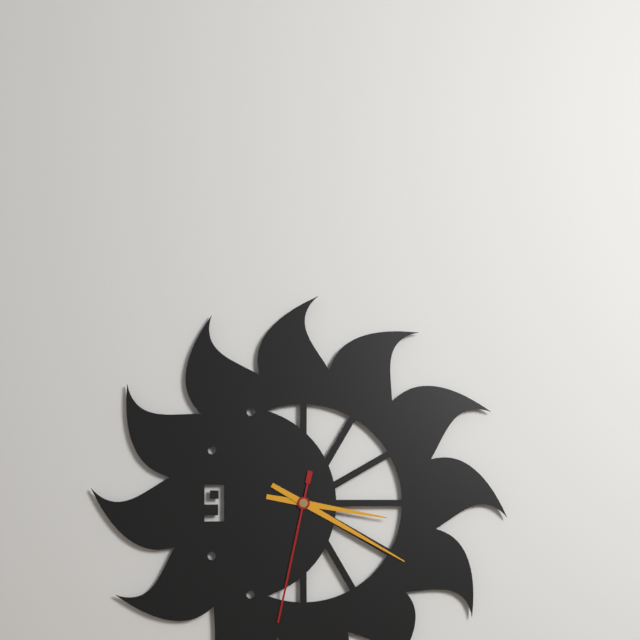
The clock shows 3:20:32
